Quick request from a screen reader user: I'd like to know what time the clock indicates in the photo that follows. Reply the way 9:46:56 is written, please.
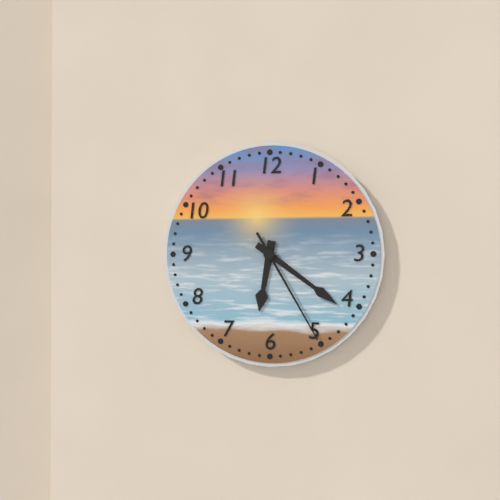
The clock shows 6:21:25
